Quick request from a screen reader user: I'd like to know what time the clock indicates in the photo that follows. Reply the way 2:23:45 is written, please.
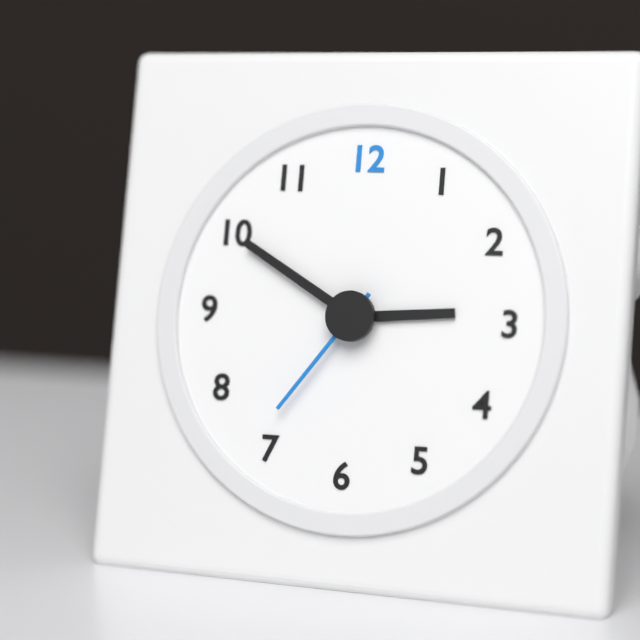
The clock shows 2:50:36
